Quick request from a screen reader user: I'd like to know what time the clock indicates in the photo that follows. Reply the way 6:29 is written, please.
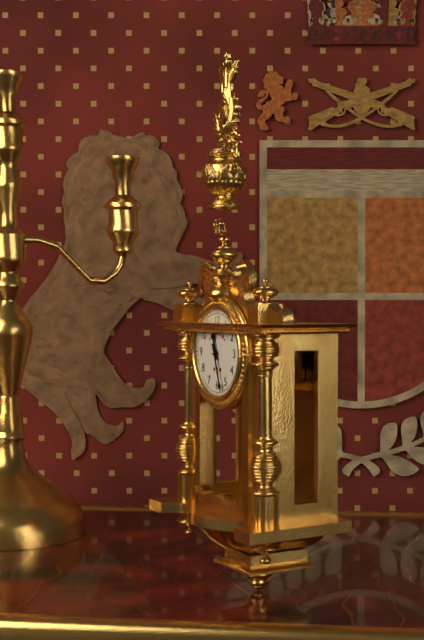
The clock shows 11:27
